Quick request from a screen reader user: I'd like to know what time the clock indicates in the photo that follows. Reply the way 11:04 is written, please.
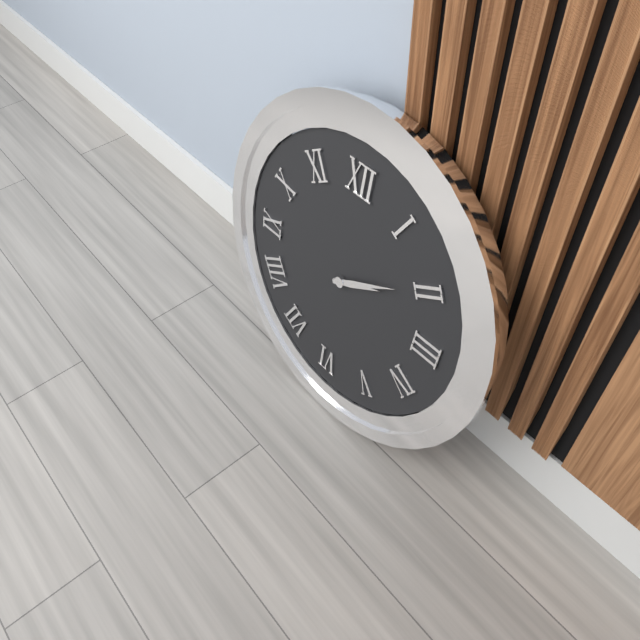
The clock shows 2:10
